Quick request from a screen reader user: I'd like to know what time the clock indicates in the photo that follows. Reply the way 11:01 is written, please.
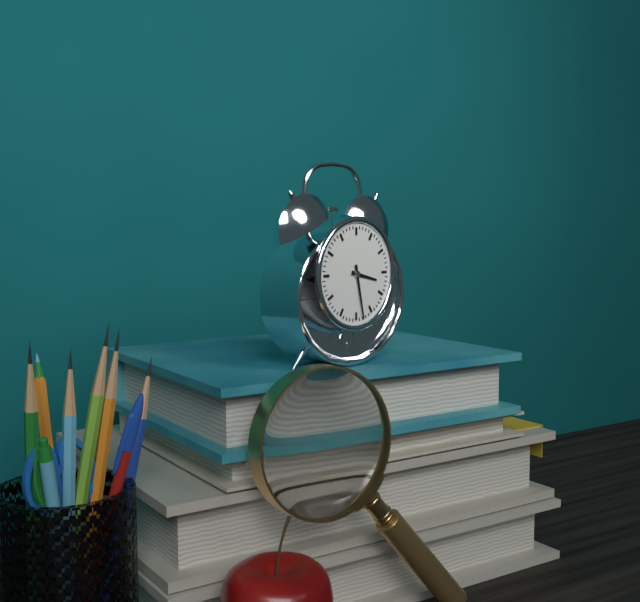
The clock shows 3:28
